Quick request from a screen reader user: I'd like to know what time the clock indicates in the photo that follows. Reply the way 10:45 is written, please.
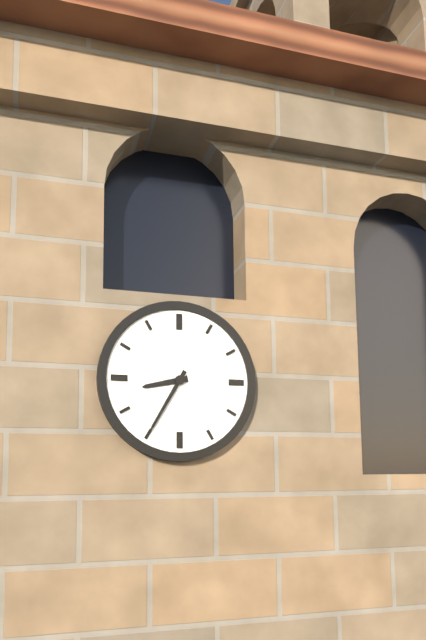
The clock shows 8:35
